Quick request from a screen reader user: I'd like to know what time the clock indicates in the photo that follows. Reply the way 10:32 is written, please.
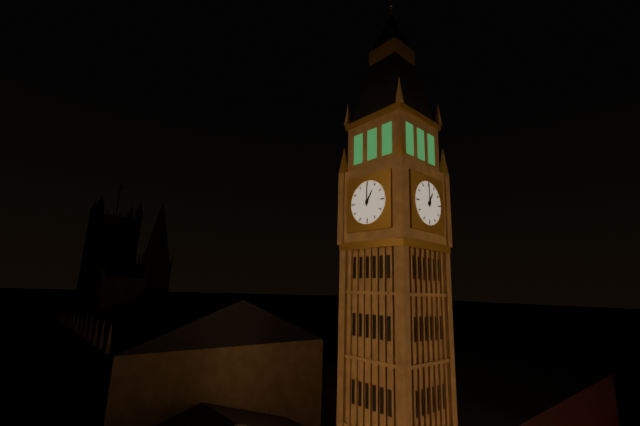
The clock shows 1:00
